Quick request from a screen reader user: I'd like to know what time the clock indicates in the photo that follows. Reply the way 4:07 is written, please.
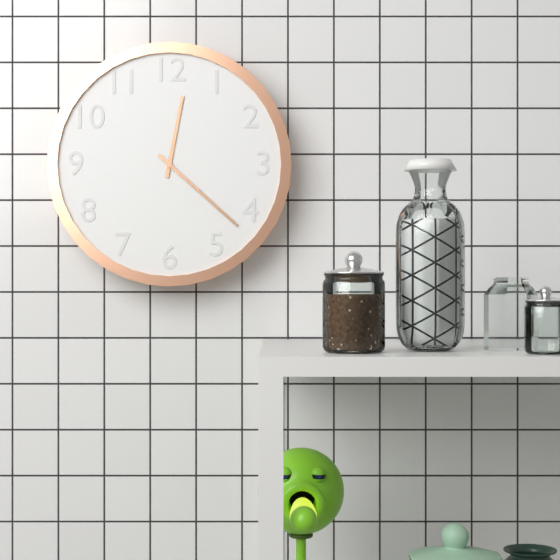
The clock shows 12:22
